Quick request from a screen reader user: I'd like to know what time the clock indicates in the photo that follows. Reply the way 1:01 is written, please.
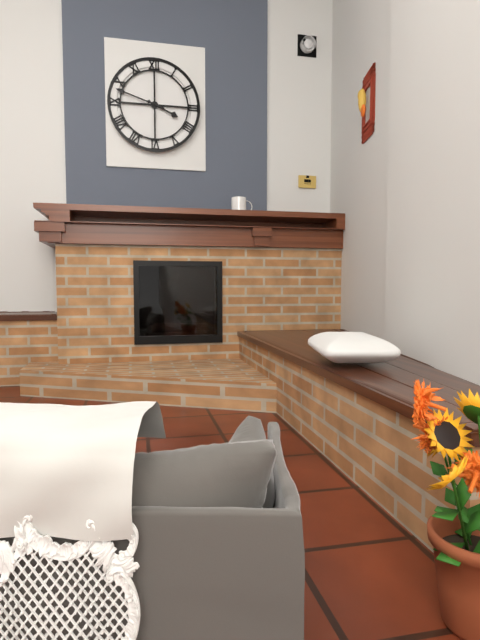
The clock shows 3:48
